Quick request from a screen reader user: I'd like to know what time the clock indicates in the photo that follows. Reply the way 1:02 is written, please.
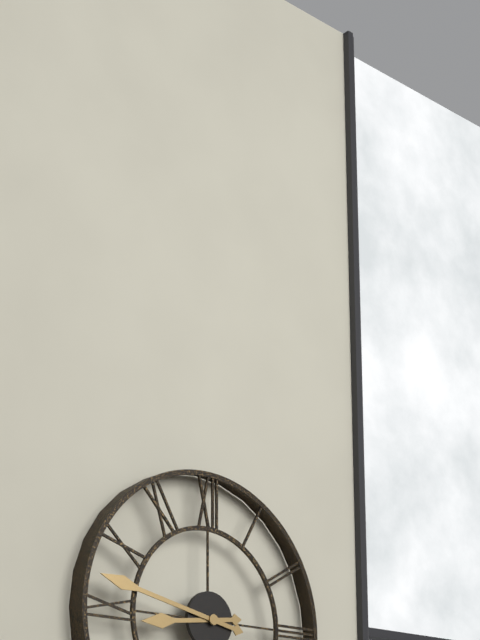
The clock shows 8:47
